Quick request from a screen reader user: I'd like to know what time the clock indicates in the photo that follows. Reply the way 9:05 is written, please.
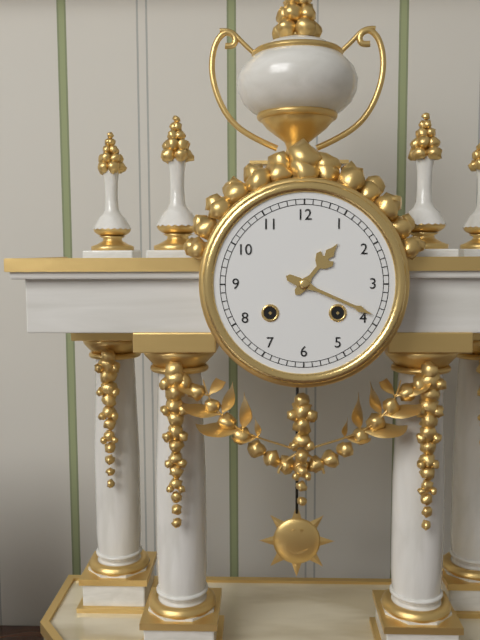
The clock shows 1:19
